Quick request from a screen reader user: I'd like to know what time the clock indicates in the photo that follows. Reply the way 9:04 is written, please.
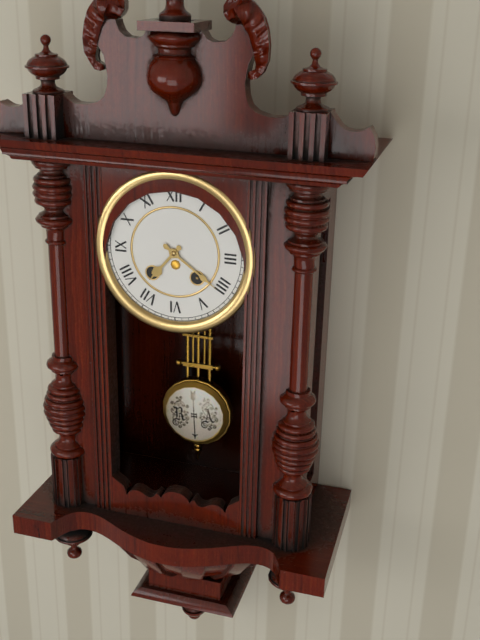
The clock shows 7:21
